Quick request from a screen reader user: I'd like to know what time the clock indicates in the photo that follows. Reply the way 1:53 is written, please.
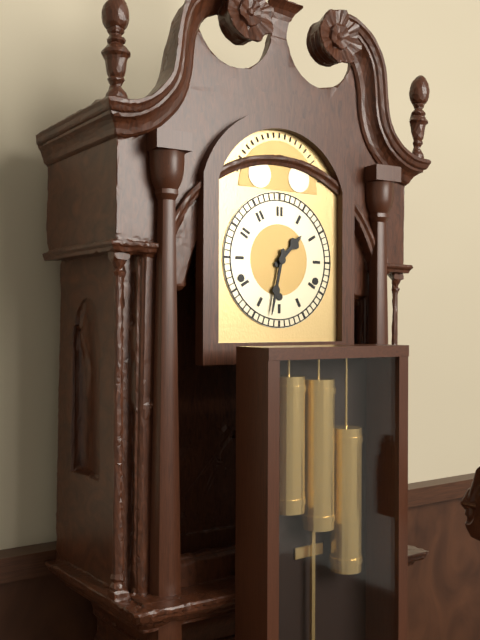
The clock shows 1:32
